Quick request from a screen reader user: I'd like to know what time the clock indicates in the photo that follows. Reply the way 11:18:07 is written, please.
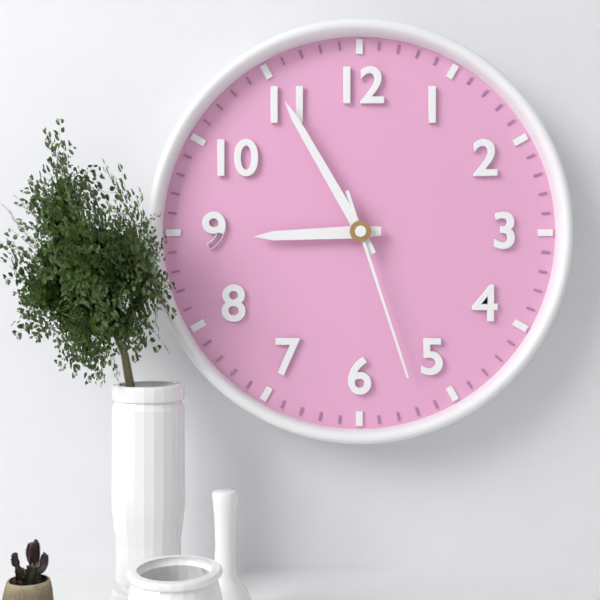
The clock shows 8:55:27
